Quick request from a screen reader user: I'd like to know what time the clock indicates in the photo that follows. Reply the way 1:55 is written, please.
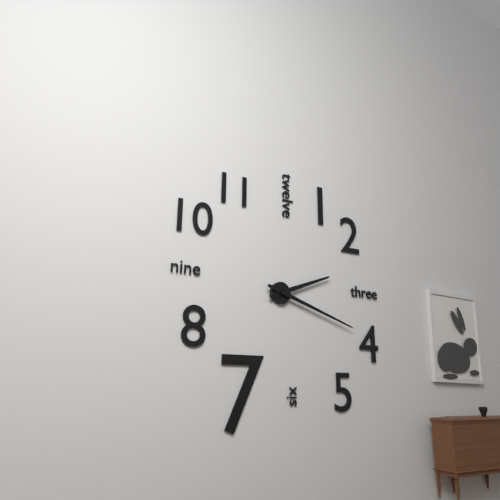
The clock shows 2:18
